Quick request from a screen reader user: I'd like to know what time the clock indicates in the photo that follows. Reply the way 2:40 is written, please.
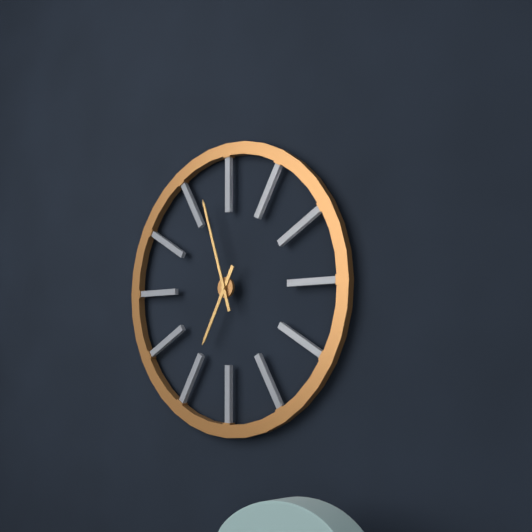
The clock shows 6:57
